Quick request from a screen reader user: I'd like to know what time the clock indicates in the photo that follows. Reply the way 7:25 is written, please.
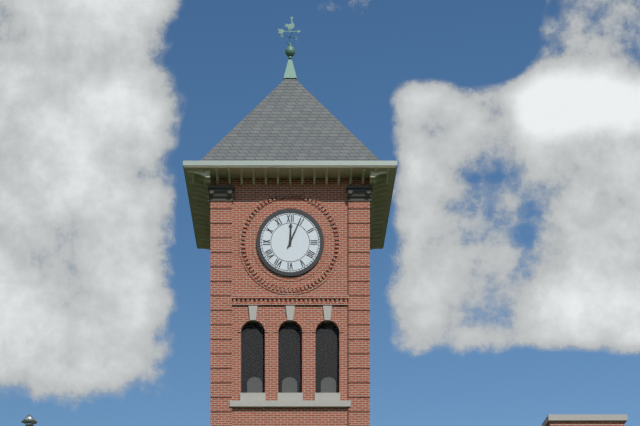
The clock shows 12:04
